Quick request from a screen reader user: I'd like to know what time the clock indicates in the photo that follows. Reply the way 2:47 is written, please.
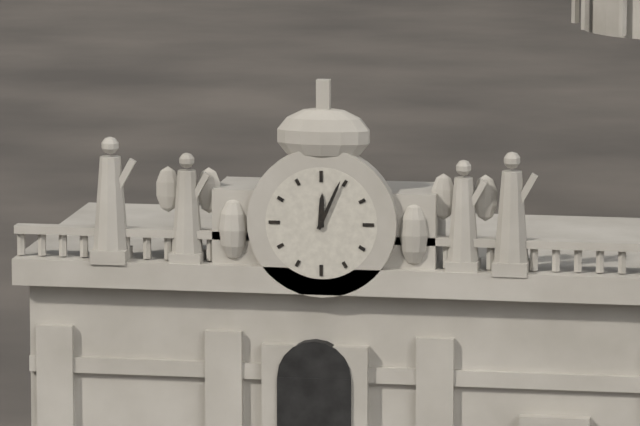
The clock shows 12:04
